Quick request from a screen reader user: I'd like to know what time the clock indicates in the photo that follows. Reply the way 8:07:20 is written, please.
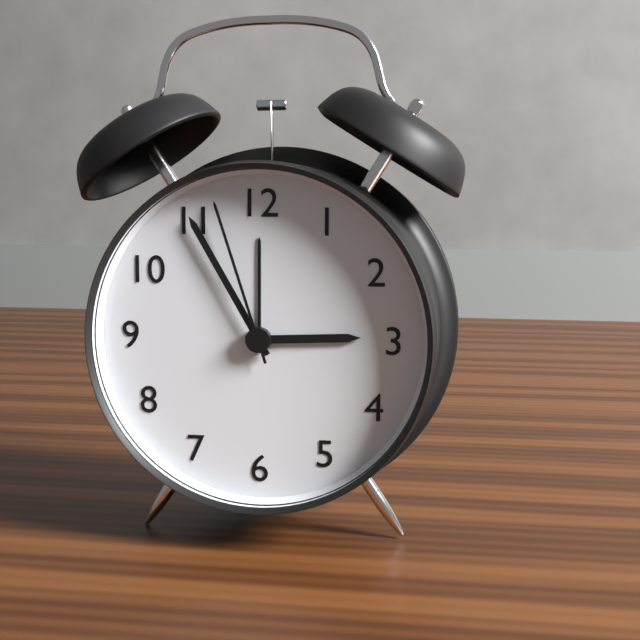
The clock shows 2:55:57
